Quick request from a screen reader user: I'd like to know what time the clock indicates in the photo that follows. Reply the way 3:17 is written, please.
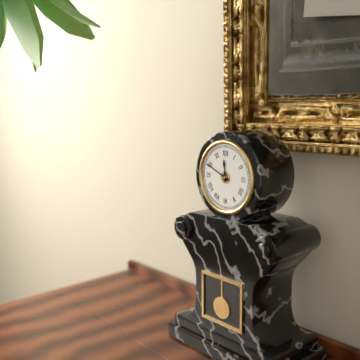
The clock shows 11:49
